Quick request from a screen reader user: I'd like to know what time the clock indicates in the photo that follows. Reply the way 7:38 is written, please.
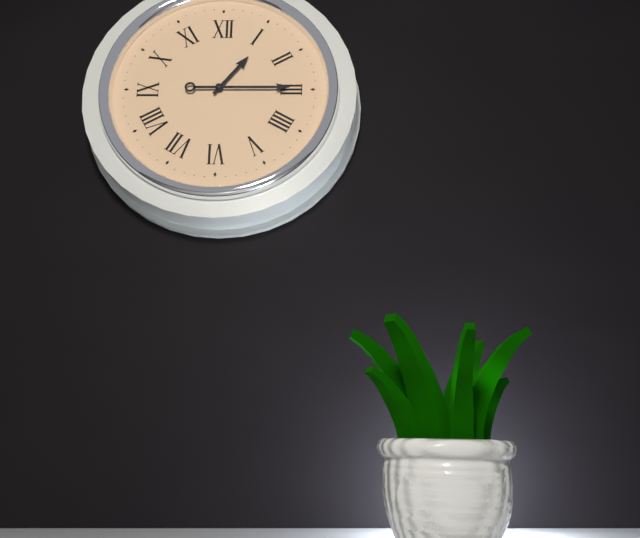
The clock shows 1:15
